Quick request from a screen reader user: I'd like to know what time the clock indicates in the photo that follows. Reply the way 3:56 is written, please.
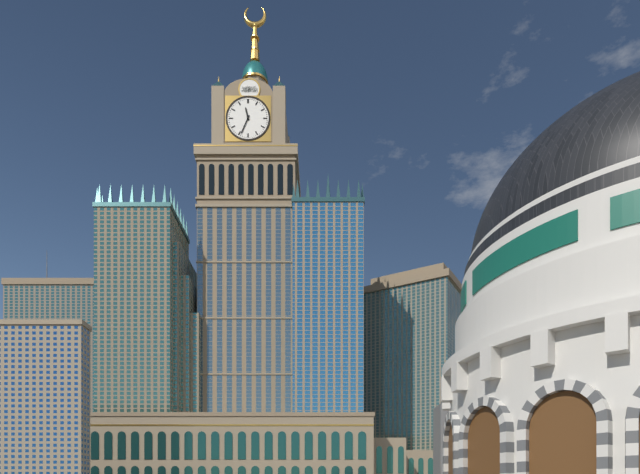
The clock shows 11:34
